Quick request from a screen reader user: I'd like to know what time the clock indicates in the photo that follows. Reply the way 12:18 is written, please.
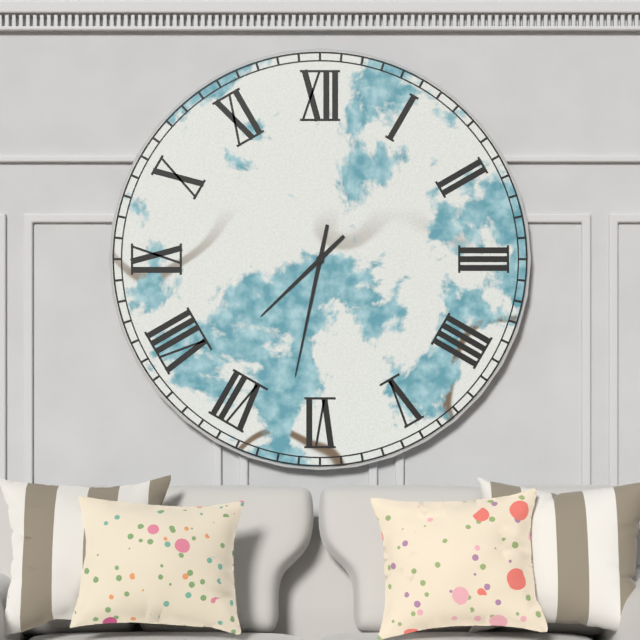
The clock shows 7:32
